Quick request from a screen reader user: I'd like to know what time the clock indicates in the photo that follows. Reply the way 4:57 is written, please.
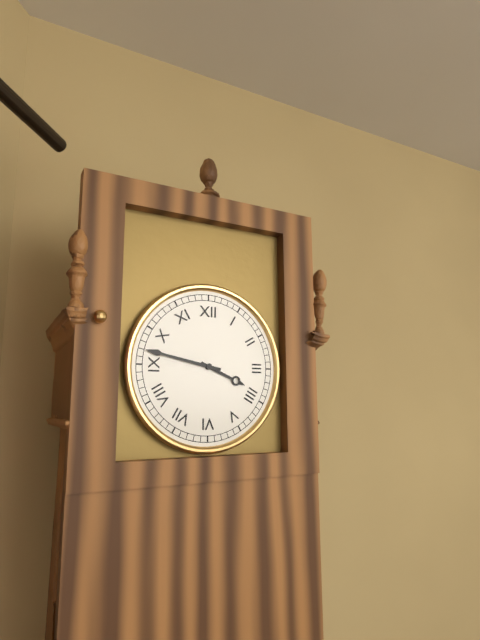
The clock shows 3:47
